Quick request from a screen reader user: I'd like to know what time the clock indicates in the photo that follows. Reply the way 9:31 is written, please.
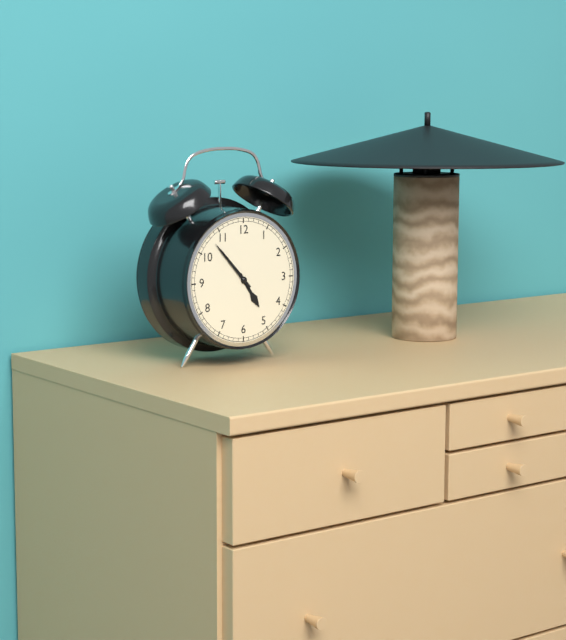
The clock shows 4:53
